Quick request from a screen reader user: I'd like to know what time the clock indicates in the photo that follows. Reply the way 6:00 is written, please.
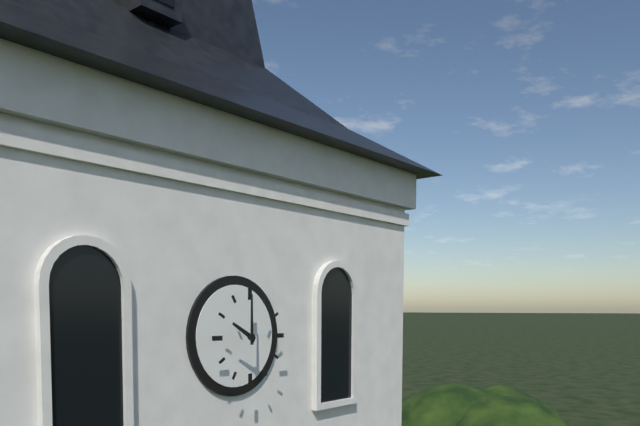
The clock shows 10:00
